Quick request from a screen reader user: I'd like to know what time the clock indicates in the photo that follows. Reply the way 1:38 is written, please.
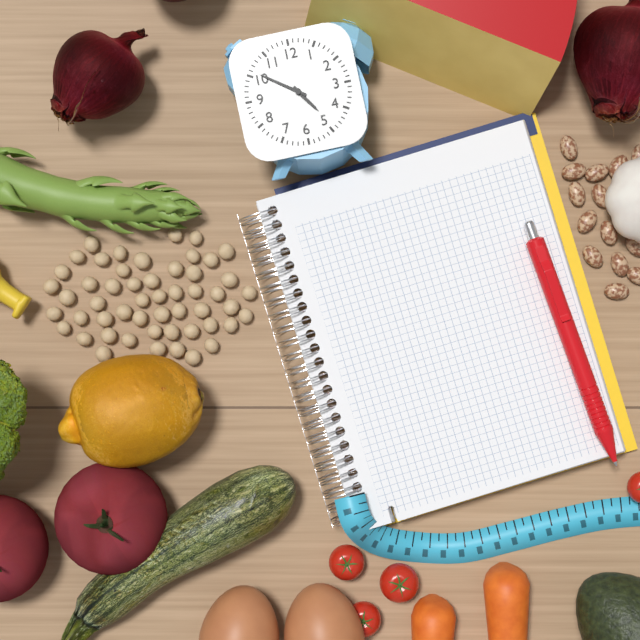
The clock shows 4:51
